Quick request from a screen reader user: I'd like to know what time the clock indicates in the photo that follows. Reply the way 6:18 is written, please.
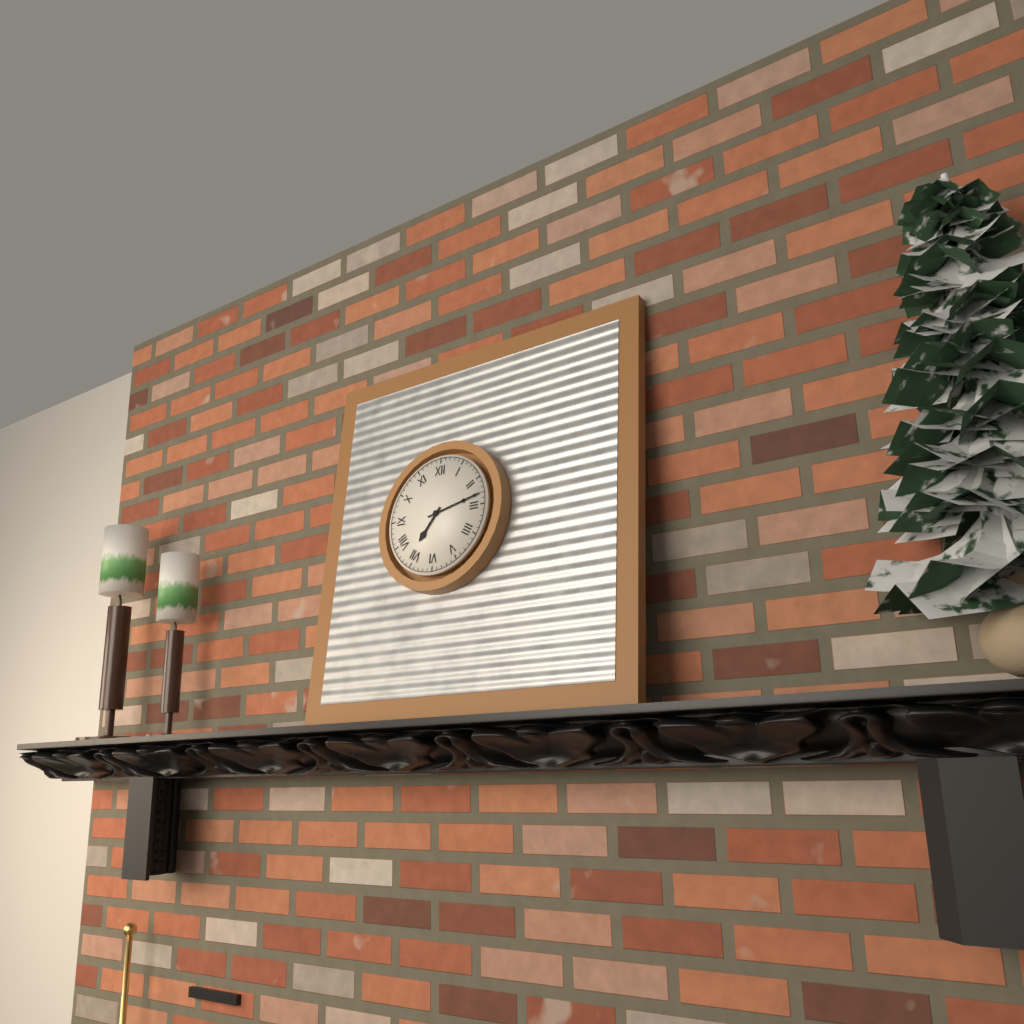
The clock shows 7:13
